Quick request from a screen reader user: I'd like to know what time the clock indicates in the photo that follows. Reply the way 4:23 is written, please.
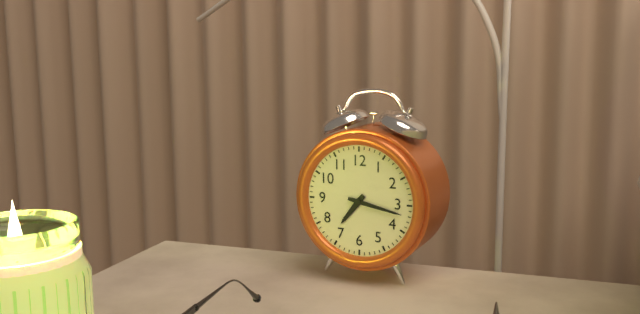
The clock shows 7:17
